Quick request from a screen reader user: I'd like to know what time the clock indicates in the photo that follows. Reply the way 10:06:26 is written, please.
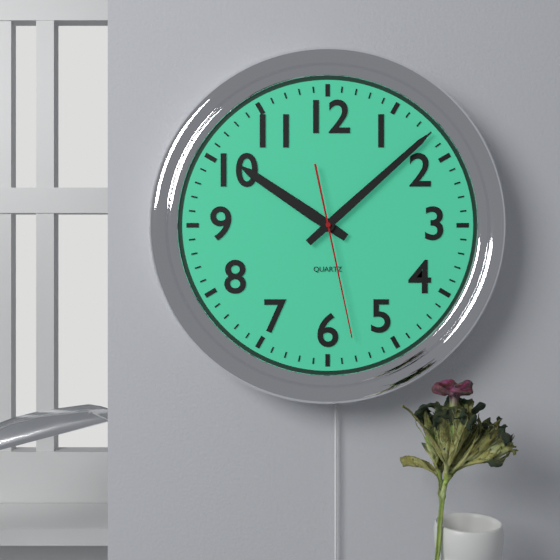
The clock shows 10:08:28
